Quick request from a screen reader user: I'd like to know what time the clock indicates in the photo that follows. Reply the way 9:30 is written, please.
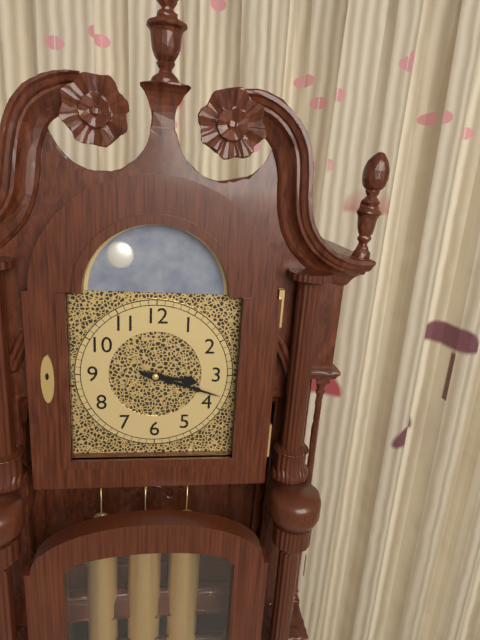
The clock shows 3:18
